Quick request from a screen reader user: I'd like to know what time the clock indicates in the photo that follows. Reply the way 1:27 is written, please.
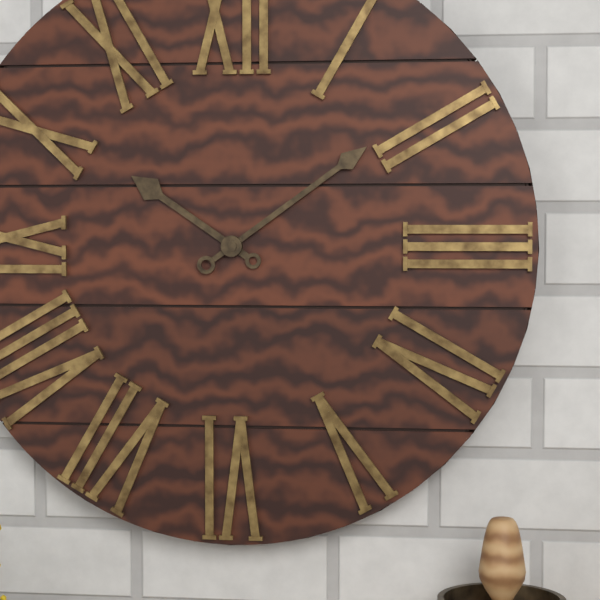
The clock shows 10:09
